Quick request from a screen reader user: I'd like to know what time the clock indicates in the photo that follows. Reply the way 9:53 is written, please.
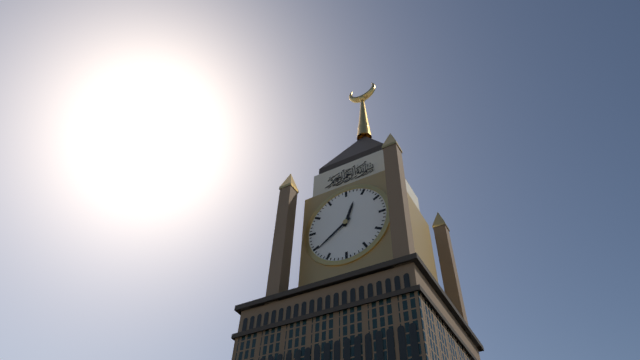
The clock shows 12:39
